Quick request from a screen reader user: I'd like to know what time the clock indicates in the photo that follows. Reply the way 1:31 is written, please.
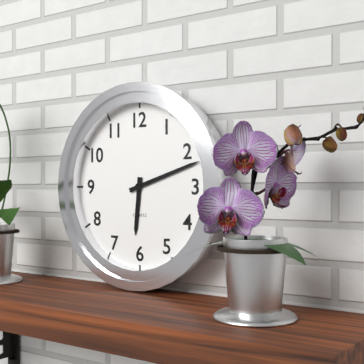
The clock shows 6:12
